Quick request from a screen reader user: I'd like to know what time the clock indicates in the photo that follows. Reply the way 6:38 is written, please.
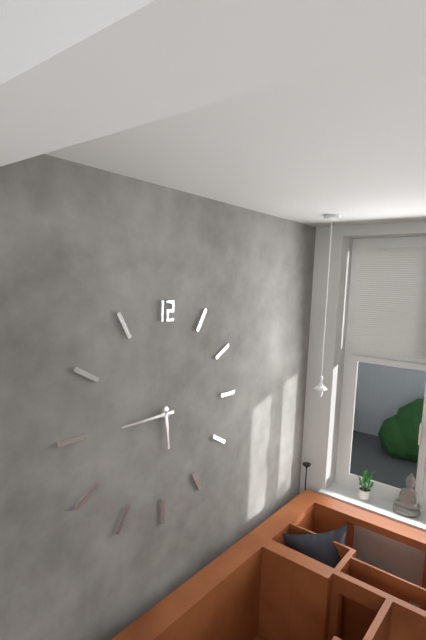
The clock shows 5:45
